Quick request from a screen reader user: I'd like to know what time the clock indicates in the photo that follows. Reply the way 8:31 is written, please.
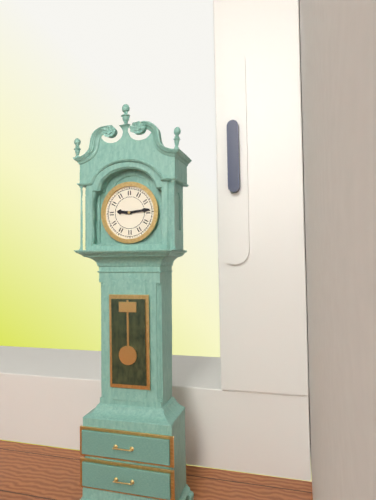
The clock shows 9:14
